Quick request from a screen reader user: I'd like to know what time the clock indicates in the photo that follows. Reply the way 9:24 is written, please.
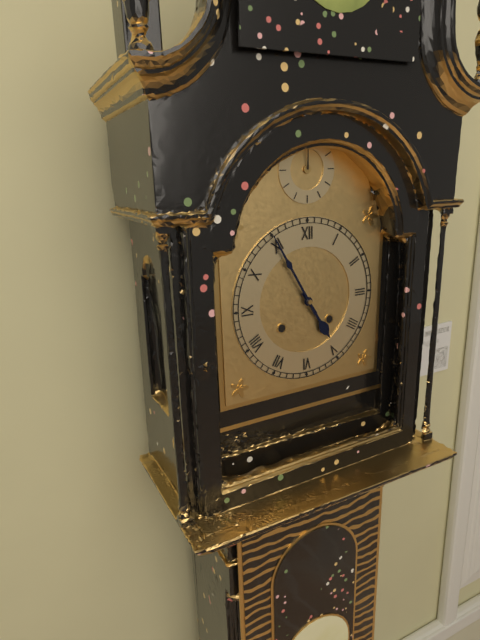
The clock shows 4:55
